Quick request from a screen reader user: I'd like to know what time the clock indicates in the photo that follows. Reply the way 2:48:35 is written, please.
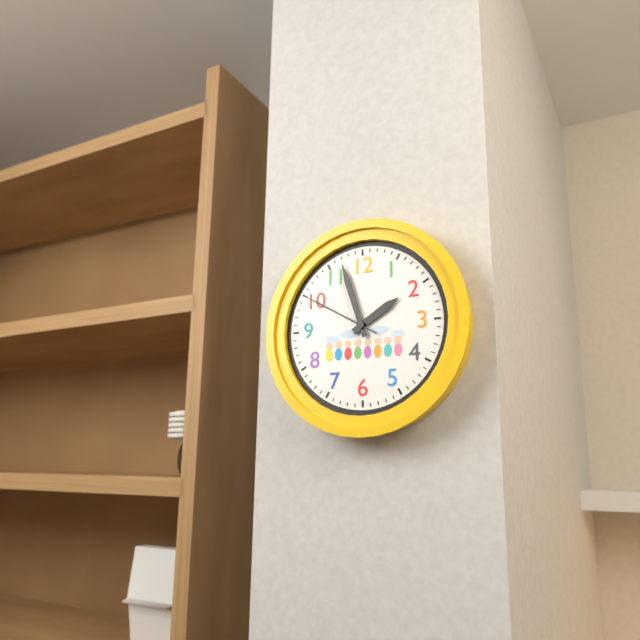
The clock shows 1:57:50
